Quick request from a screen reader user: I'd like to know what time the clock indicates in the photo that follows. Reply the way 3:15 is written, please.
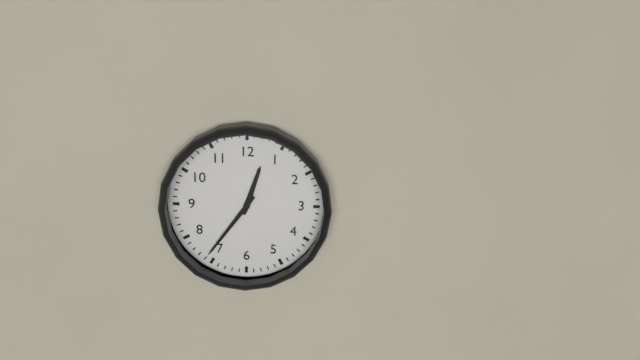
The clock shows 12:36
